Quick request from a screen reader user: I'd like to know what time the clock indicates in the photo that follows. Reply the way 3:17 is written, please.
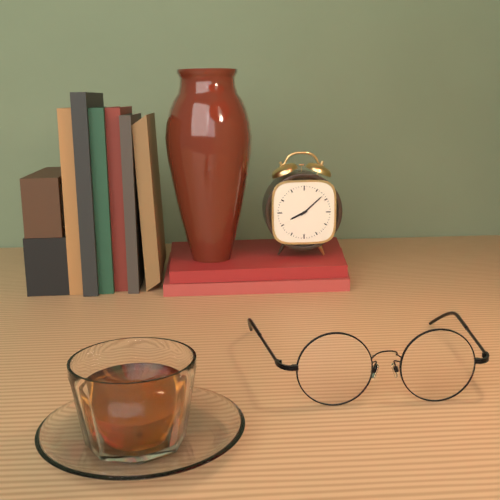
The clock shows 8:08
